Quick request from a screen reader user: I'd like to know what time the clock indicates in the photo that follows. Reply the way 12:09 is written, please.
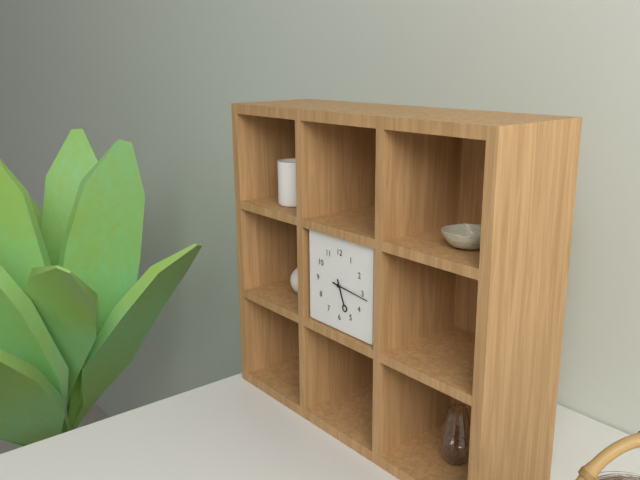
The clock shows 5:16
